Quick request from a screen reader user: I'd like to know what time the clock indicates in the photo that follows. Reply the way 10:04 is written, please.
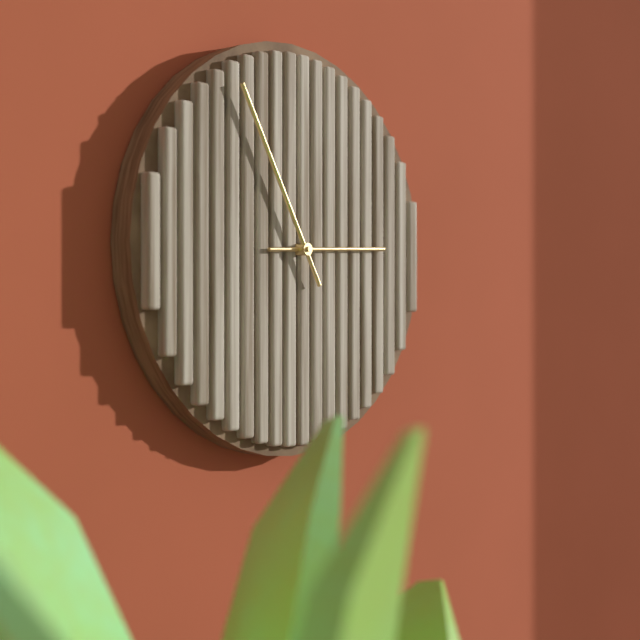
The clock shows 2:55
